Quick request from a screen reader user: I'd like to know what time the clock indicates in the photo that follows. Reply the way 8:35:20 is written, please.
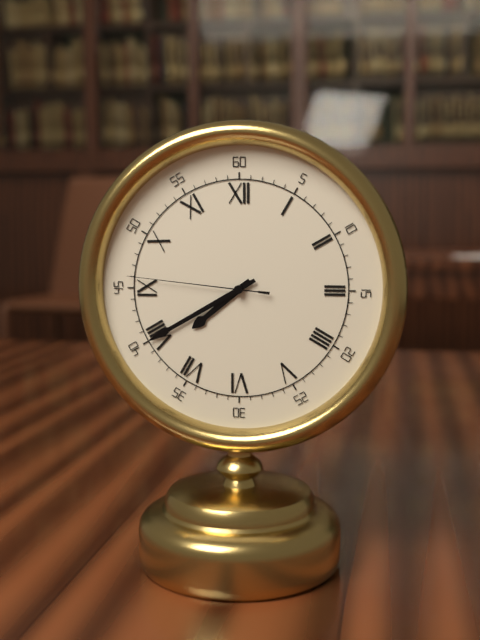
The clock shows 7:40:46
